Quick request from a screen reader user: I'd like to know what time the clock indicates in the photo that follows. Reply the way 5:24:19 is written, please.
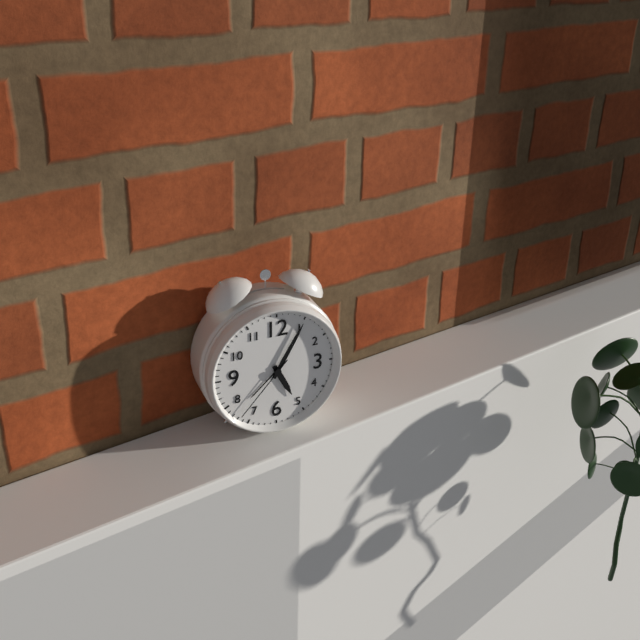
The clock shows 5:05:37
